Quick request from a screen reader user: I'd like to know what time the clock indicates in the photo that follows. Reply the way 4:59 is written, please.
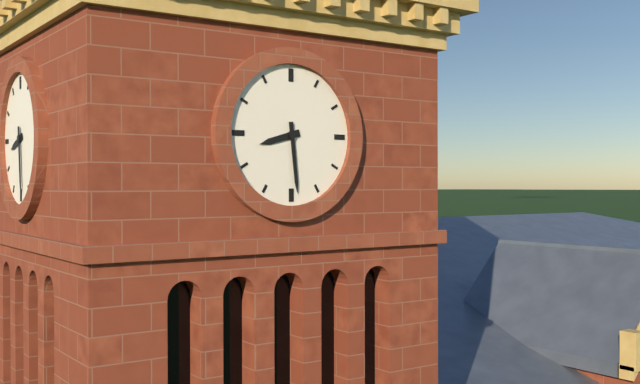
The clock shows 8:29
